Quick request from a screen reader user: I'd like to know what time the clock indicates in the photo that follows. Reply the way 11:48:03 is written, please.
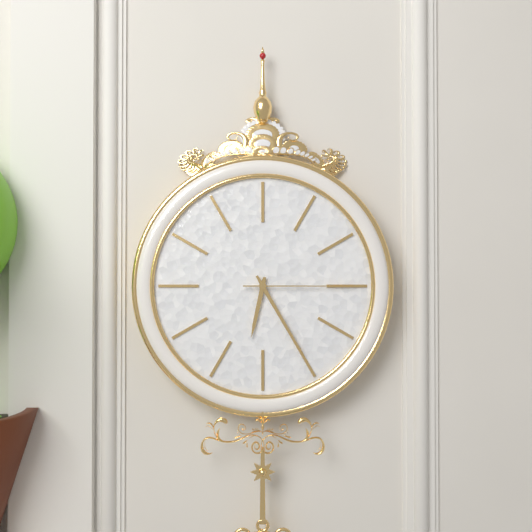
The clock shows 6:25:15
